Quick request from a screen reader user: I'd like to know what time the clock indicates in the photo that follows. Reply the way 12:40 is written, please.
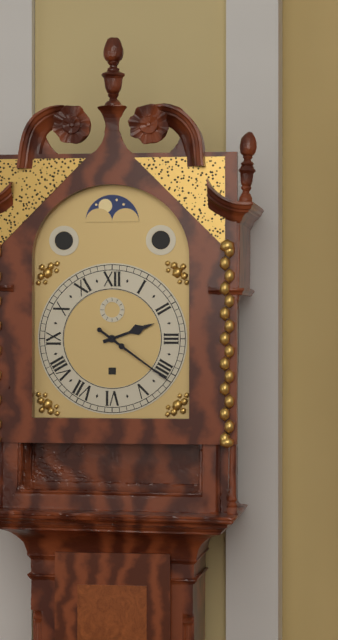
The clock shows 2:21
